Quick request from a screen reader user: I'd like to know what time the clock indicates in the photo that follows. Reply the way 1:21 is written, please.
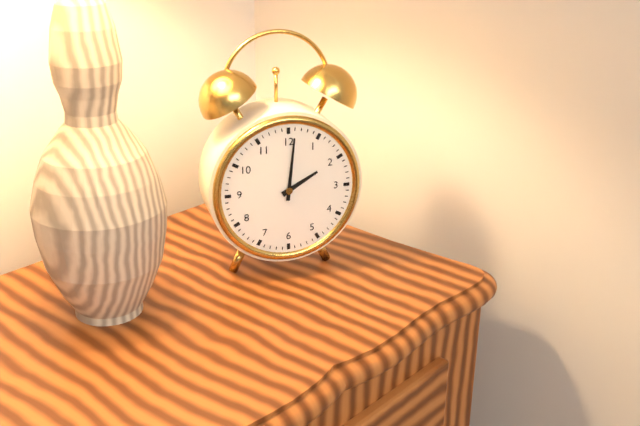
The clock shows 2:01
